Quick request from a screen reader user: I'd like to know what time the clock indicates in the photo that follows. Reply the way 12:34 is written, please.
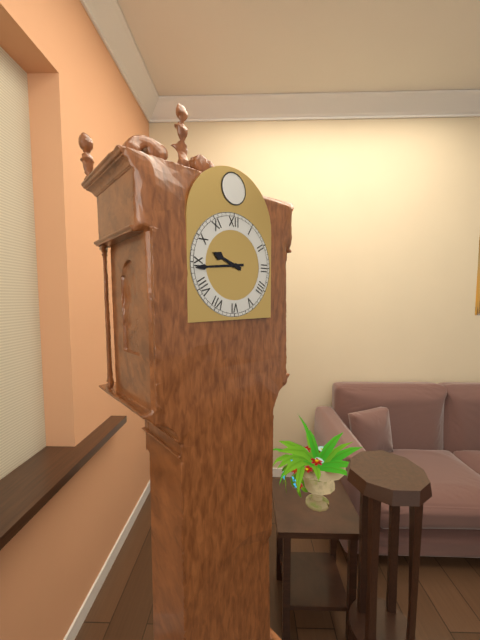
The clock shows 9:44
